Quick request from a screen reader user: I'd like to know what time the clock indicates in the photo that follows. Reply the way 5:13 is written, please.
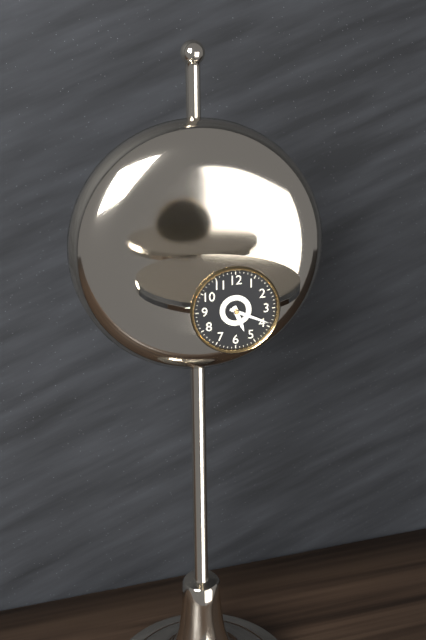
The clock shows 5:19
